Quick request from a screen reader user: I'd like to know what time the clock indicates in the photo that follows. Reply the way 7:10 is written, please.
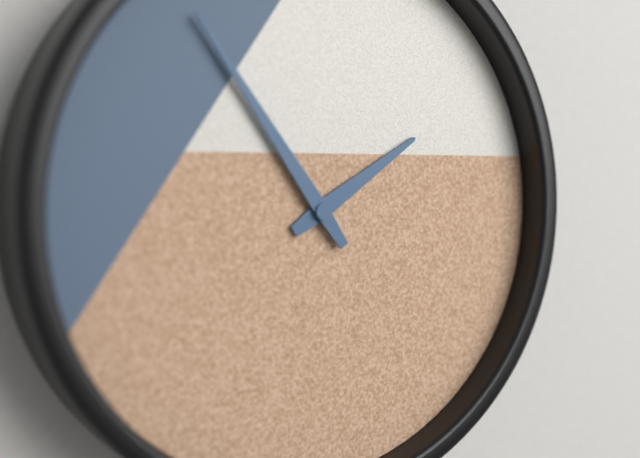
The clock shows 1:54
